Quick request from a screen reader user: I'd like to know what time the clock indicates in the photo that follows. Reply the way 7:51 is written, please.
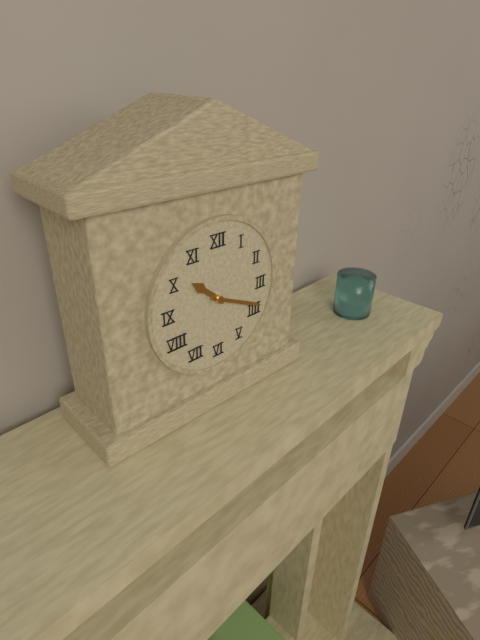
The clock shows 10:19
